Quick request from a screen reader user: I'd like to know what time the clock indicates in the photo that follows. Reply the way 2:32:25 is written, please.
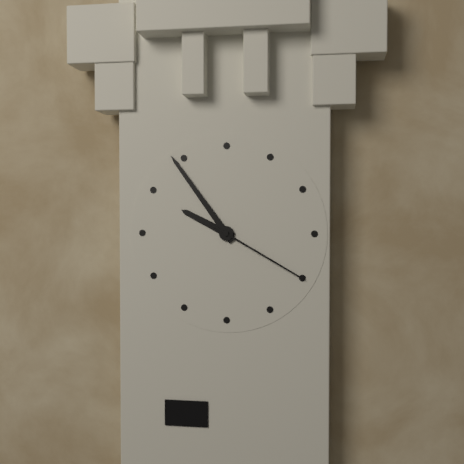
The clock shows 9:54:20
